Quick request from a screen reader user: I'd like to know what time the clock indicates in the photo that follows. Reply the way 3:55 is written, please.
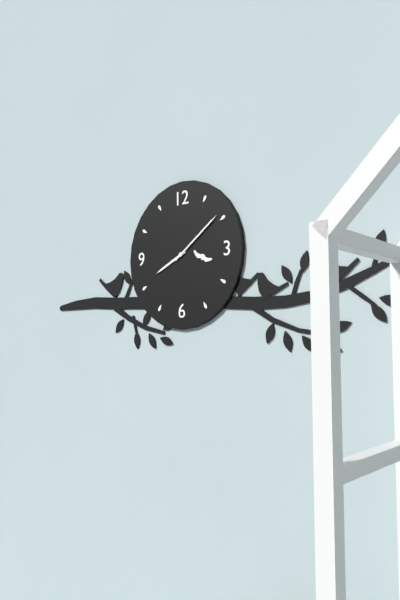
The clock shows 8:09
